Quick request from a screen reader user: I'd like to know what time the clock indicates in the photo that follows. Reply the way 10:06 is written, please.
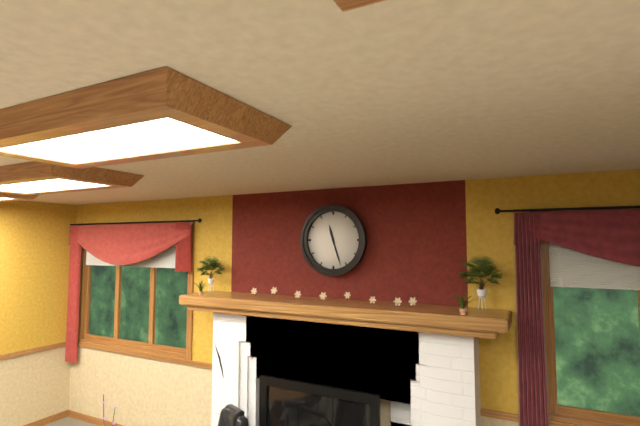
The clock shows 11:27
